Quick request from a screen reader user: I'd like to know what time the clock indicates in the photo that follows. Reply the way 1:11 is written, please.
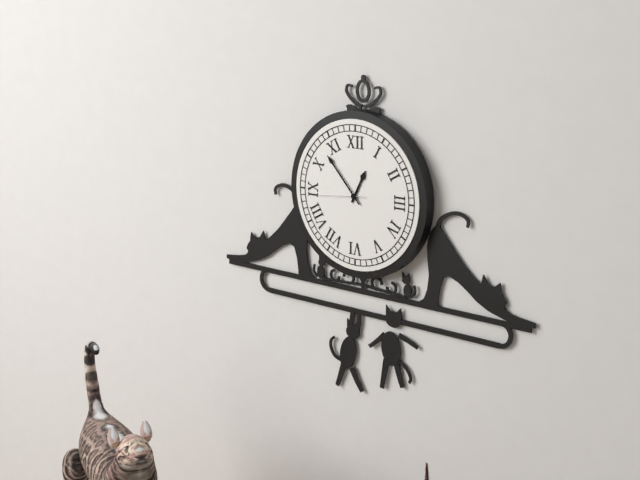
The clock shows 12:53
